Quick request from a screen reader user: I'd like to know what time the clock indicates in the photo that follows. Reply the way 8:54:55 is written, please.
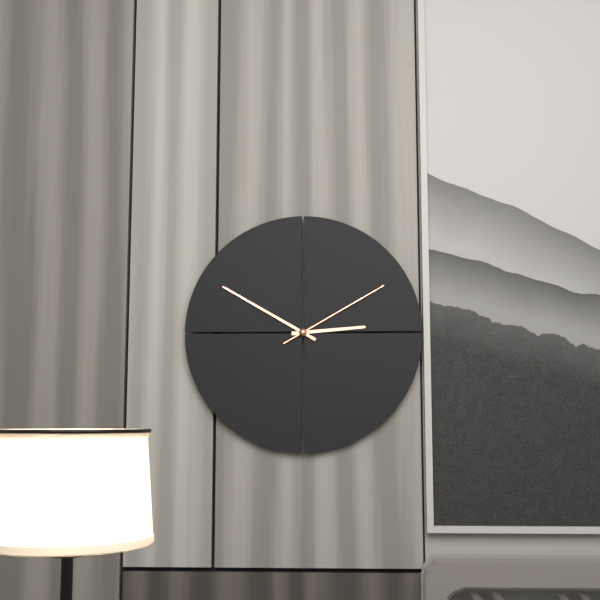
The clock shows 2:50:10
